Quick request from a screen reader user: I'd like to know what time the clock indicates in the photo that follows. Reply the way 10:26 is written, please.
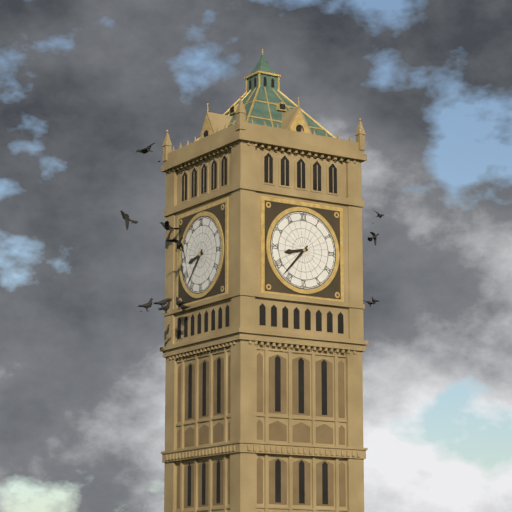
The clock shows 8:37
